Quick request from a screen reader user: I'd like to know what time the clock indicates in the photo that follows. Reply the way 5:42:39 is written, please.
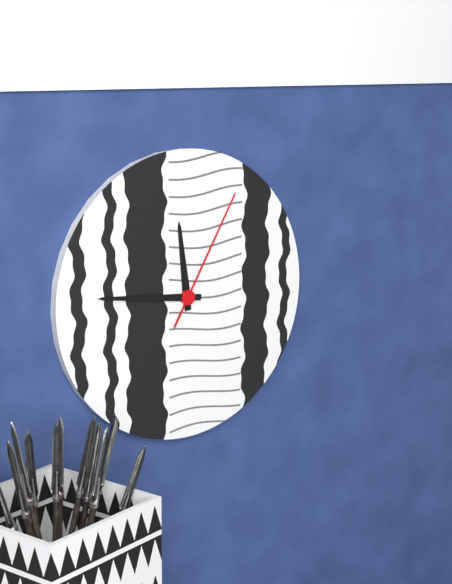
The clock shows 11:46:05
